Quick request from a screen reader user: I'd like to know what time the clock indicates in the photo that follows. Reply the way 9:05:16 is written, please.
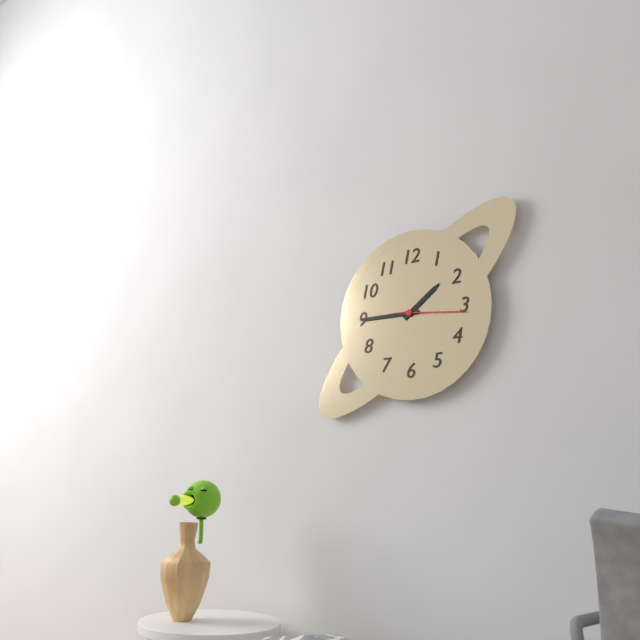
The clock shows 1:45:16
